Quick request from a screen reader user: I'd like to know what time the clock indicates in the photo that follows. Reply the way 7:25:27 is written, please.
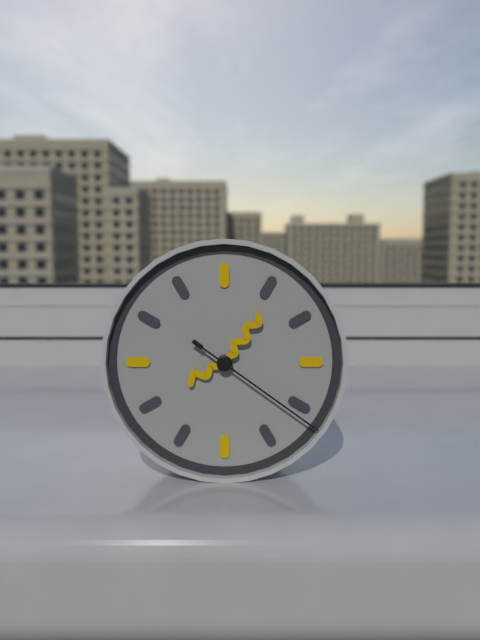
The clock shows 8:06:21
